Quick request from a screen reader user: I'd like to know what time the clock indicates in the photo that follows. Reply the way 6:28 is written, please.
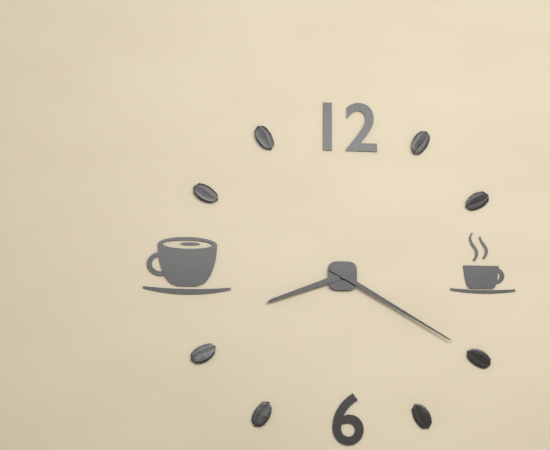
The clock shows 8:20
